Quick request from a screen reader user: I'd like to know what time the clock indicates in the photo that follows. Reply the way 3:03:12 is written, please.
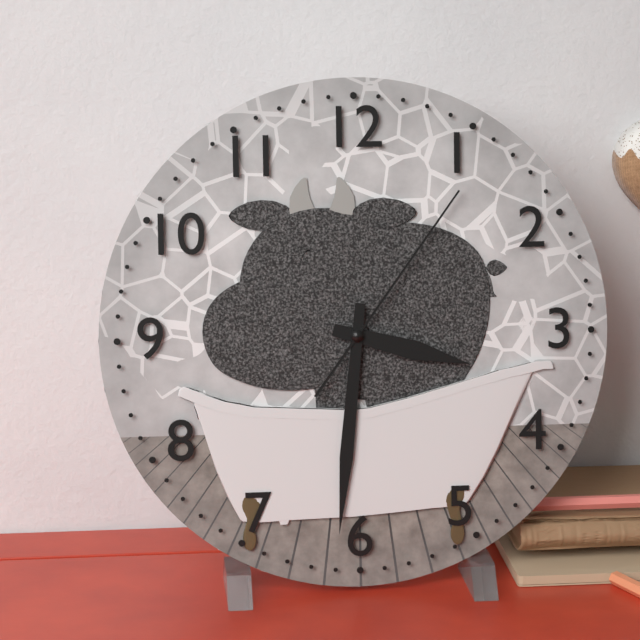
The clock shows 3:31:06
